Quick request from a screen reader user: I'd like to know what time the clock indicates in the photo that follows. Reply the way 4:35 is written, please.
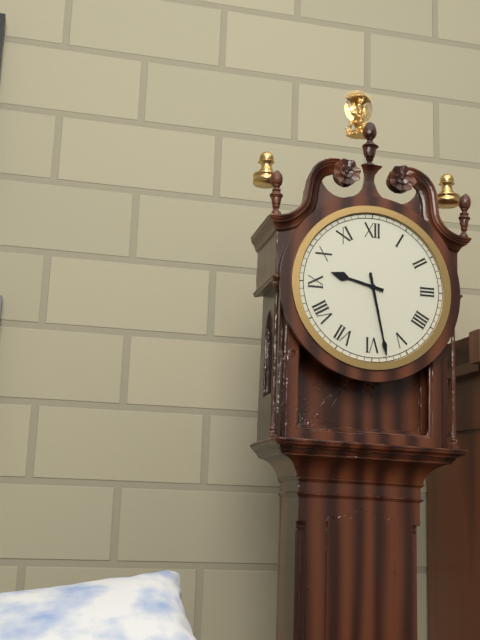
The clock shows 9:28
